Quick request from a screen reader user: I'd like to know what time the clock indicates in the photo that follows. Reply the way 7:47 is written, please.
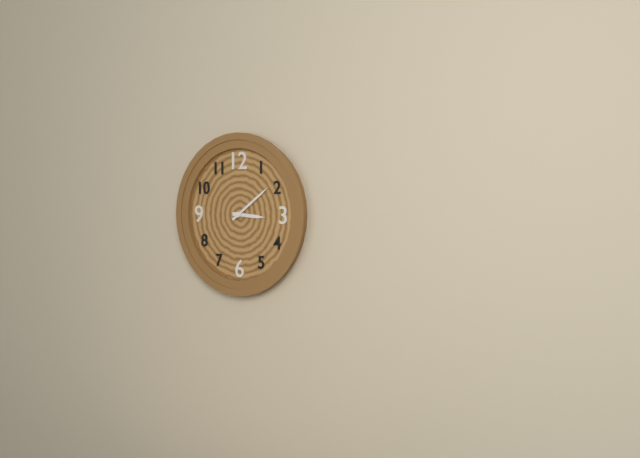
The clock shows 3:09
